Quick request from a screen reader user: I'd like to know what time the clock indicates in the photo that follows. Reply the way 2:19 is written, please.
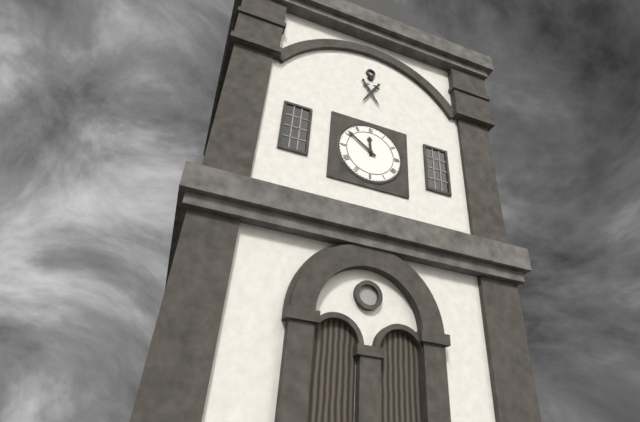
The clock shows 11:51
